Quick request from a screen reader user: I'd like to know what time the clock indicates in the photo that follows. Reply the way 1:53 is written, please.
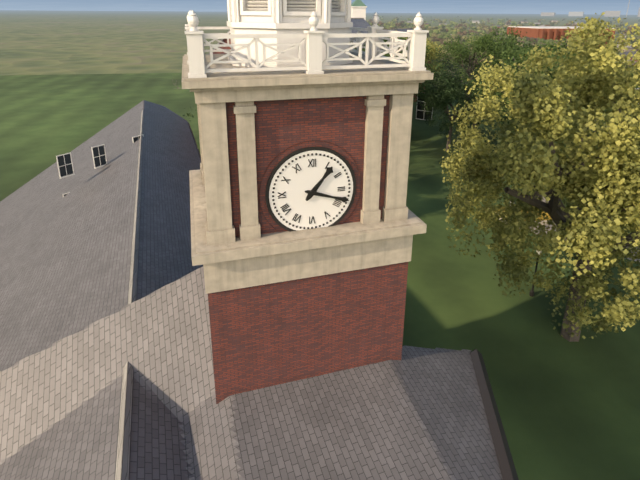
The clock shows 1:18
